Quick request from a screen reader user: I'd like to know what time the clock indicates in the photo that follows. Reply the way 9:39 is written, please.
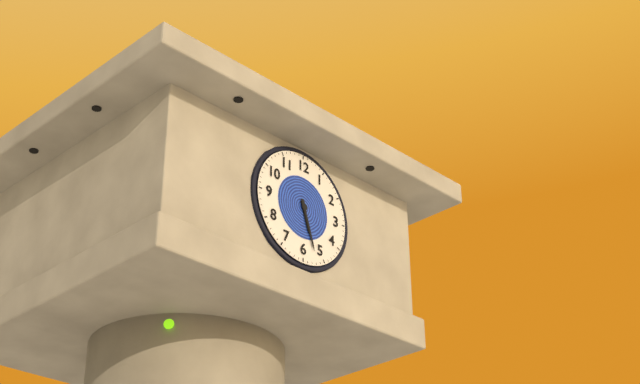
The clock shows 5:27
